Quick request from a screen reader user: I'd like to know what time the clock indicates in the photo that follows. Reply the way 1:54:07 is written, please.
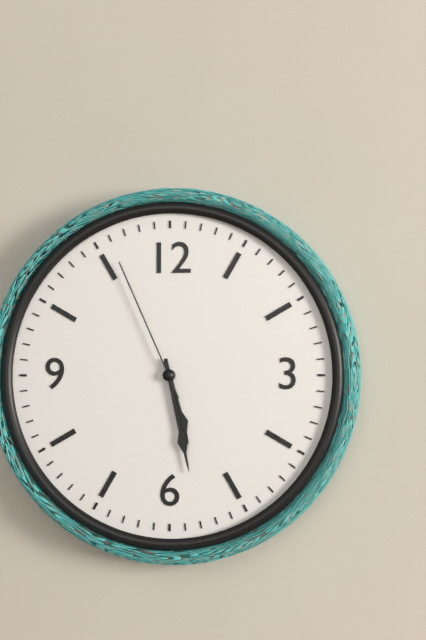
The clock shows 5:28:56
